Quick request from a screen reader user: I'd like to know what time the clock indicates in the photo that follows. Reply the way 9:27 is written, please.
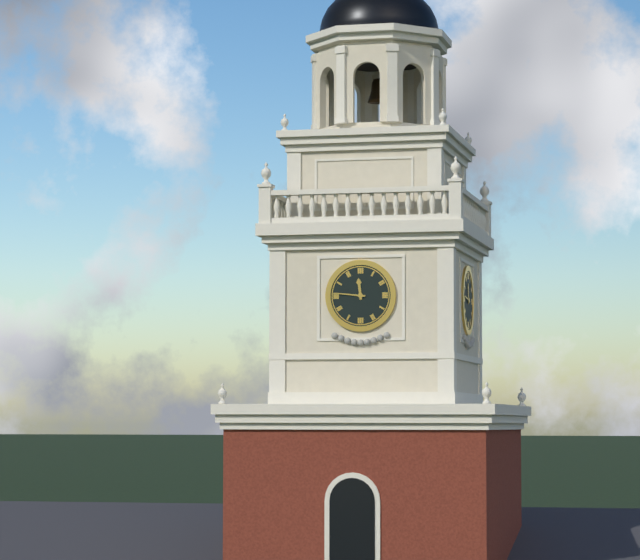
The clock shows 11:46
